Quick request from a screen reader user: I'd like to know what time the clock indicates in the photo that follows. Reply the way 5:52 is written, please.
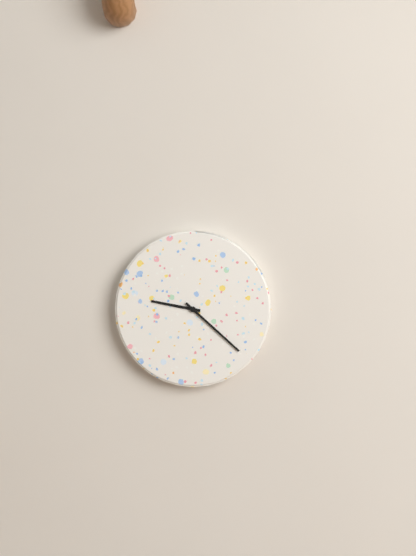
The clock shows 9:22
